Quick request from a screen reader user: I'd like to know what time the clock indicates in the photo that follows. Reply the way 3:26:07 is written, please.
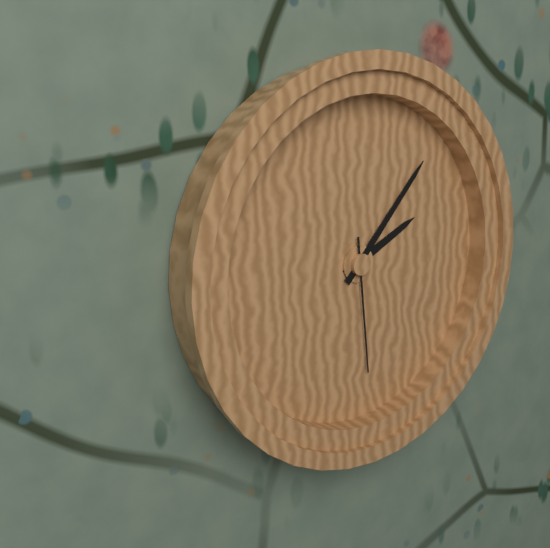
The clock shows 2:07:29
